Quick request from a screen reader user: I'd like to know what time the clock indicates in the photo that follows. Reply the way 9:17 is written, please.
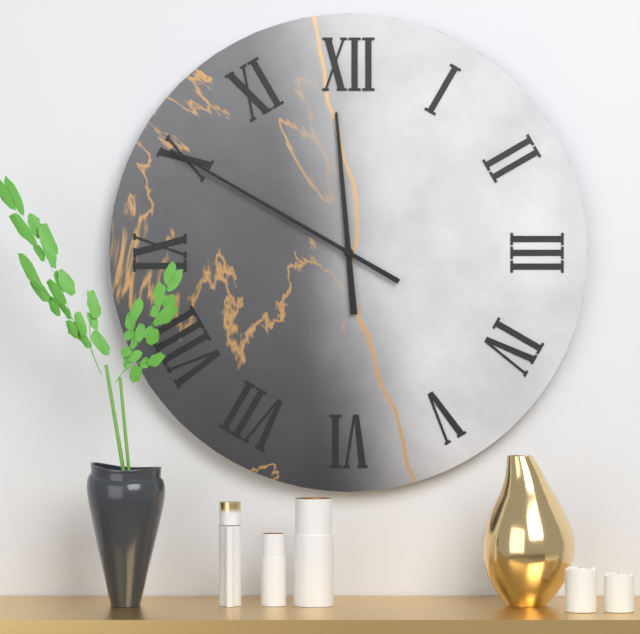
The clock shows 11:50
